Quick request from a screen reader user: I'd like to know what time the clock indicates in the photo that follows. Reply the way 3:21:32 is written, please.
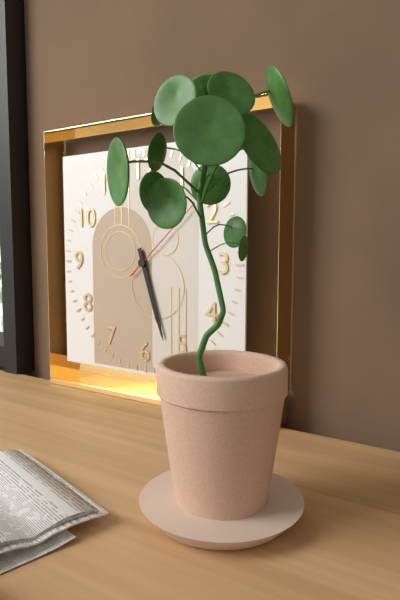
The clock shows 5:27:08
